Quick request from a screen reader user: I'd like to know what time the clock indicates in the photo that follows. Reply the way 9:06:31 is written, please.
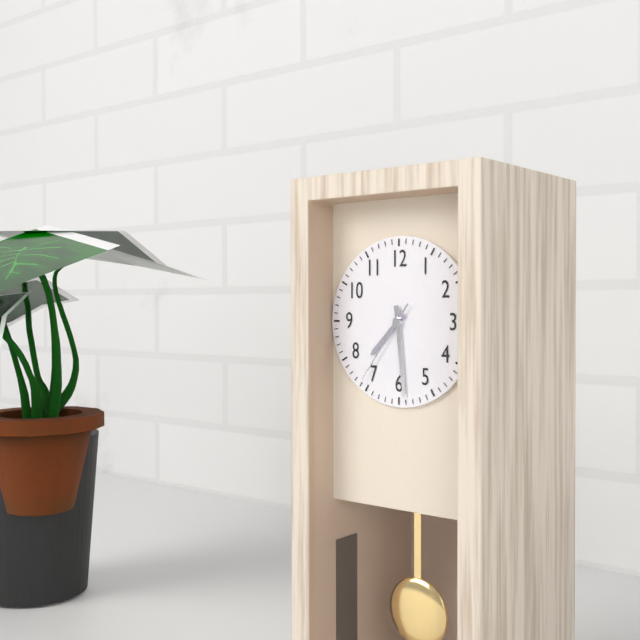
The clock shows 7:29:36
